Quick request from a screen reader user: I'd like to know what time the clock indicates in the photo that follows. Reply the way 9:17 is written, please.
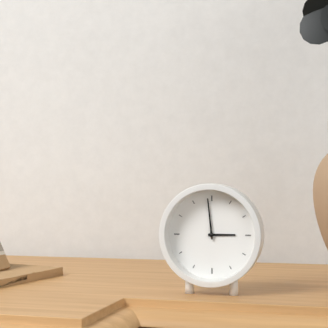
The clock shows 2:59
